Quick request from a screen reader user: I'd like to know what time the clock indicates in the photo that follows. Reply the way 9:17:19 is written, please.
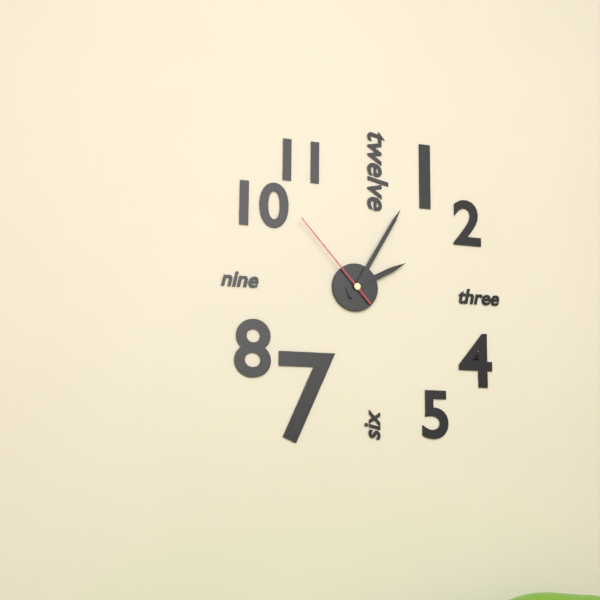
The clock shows 2:05:53
